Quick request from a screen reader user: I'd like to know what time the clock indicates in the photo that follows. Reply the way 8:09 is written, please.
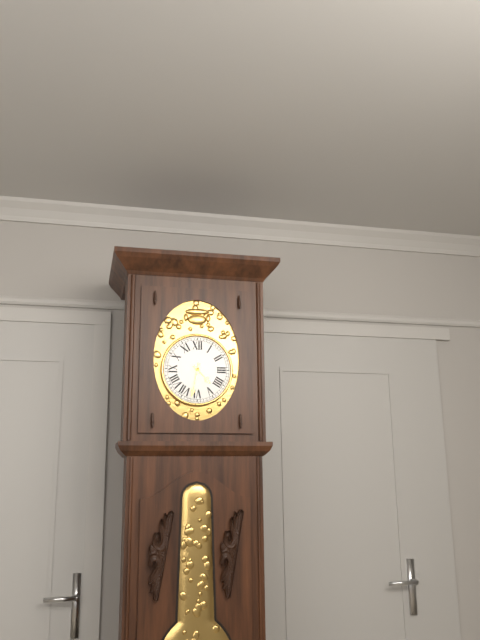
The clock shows 4:32
